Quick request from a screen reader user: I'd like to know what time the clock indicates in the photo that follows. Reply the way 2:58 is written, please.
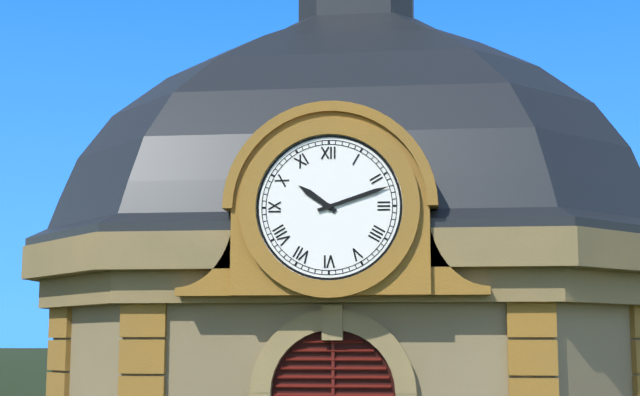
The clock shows 10:12
